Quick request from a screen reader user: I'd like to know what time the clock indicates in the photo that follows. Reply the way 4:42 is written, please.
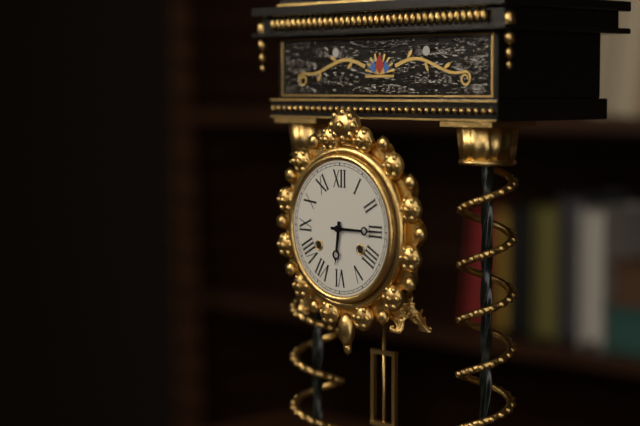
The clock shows 6:15
